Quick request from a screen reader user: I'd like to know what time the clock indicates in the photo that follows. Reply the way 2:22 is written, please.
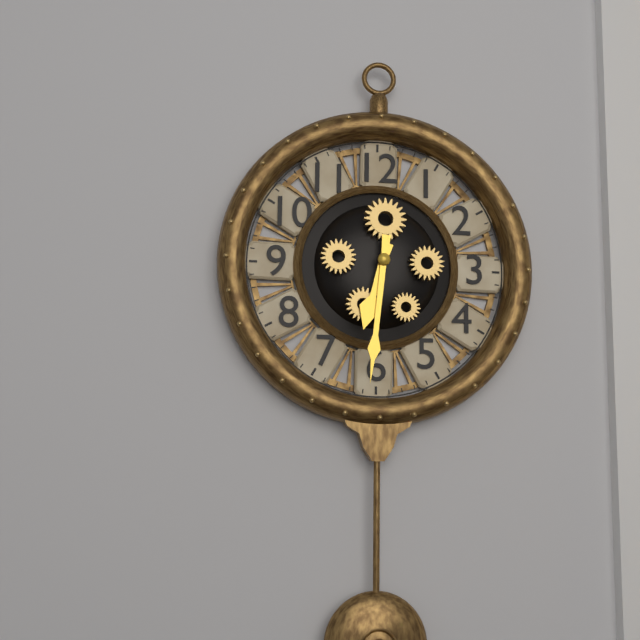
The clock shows 6:31
